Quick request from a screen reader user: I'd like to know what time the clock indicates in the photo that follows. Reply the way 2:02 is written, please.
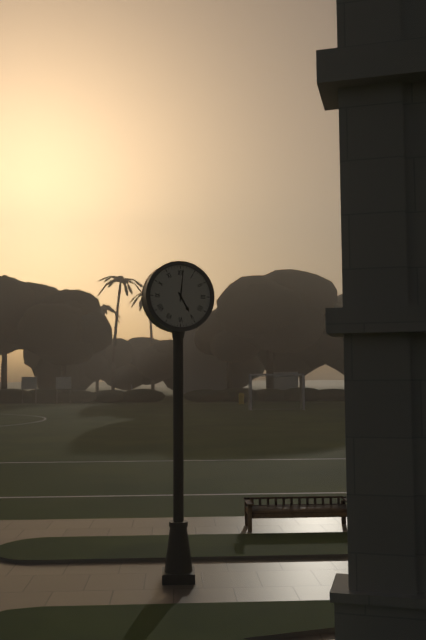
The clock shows 5:01
